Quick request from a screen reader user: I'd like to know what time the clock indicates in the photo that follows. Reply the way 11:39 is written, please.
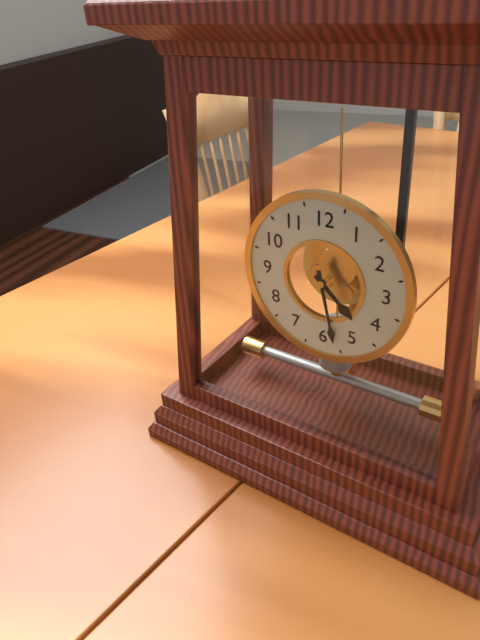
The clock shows 4:28
